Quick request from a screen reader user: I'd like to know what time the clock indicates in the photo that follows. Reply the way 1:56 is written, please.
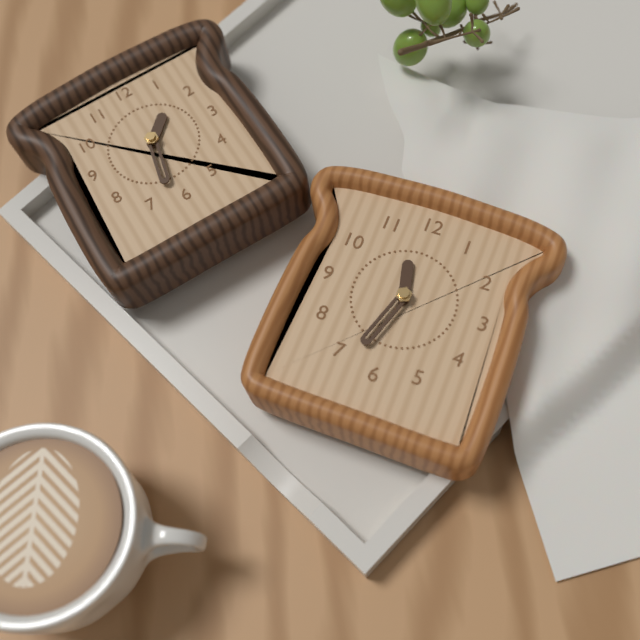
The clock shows 11:33
